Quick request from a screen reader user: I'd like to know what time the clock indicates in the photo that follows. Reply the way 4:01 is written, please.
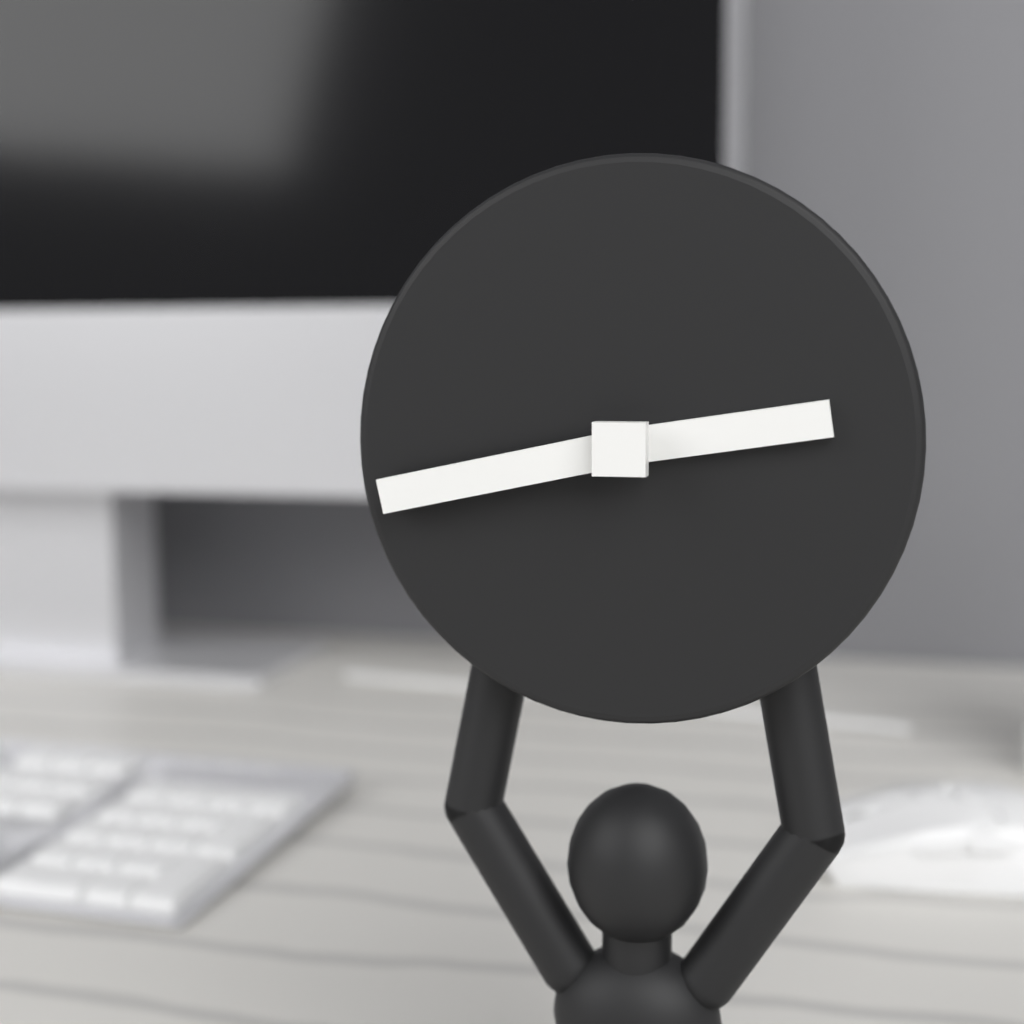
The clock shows 2:43
